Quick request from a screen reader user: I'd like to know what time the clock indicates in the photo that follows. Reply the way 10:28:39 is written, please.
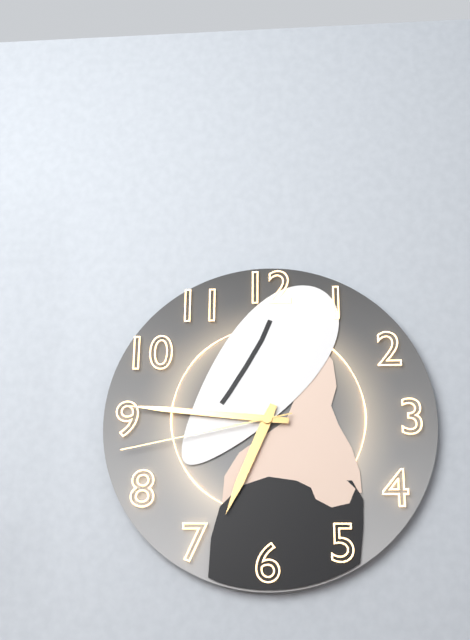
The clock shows 6:46:43
